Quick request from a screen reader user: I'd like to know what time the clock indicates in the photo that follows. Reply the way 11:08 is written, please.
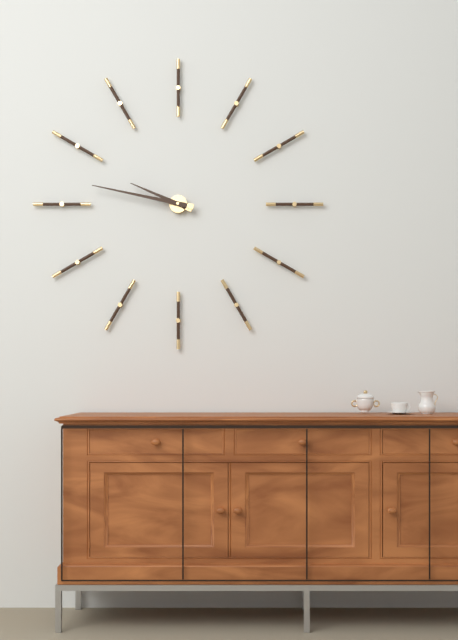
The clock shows 9:47
